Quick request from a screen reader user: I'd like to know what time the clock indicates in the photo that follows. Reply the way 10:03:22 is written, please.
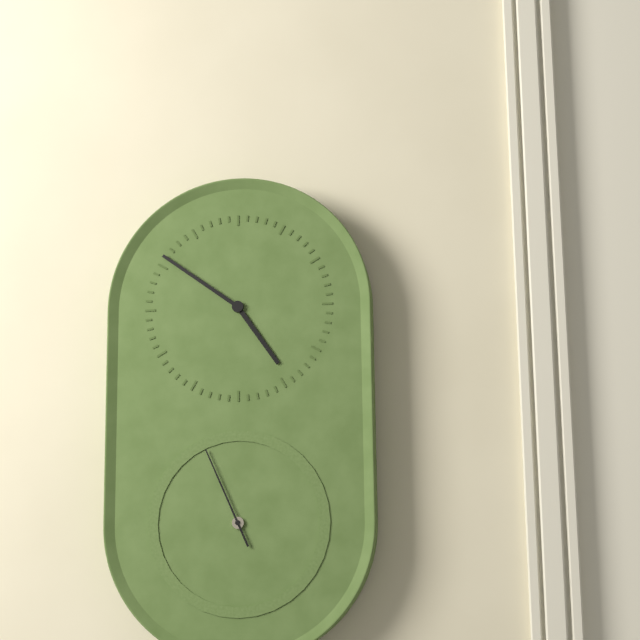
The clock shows 4:51:56
